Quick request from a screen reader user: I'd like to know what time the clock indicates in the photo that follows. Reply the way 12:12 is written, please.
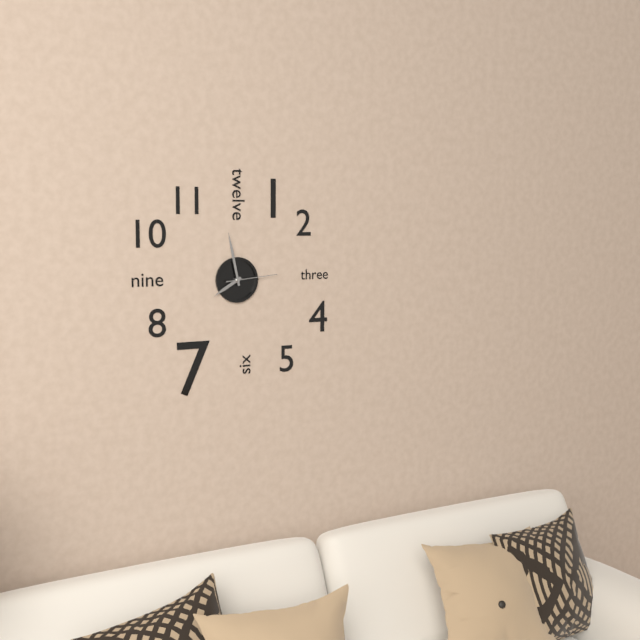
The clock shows 7:58
